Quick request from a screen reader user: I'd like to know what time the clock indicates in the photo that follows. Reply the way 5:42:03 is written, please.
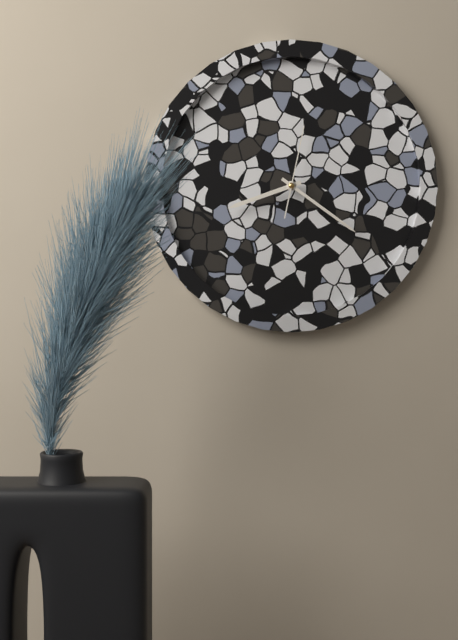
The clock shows 8:21:02
